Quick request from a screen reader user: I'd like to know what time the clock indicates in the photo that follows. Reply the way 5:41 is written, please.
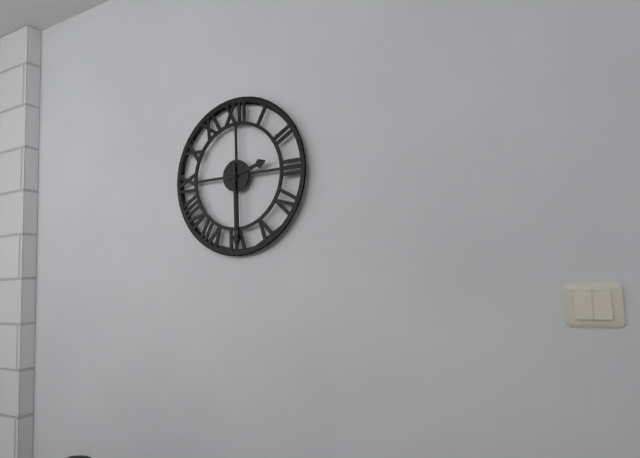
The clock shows 2:30
